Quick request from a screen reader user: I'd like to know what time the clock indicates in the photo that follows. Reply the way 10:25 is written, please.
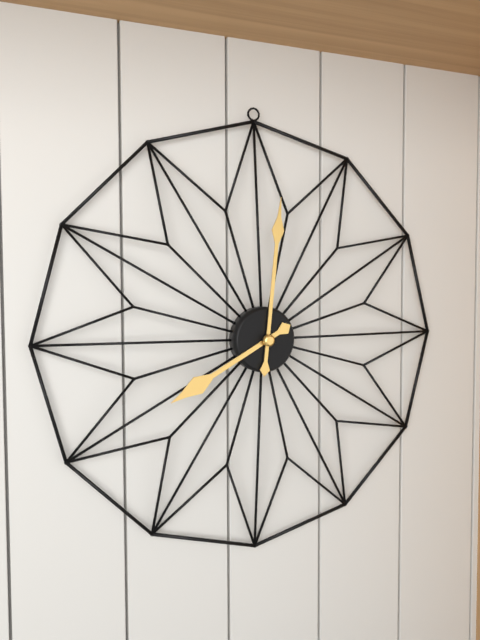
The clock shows 8:01
